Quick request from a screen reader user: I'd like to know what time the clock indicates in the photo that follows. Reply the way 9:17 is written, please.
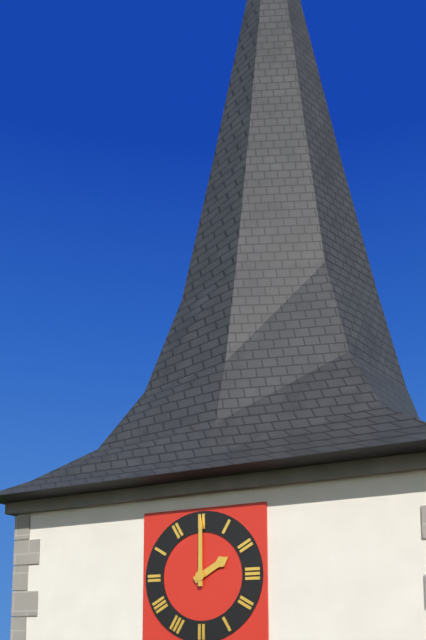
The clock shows 2:00
